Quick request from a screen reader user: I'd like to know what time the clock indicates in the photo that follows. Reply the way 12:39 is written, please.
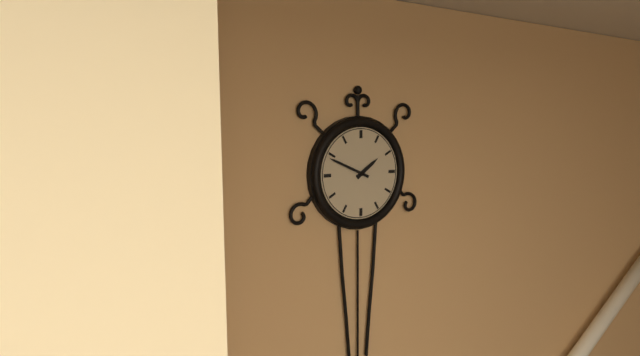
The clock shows 1:49
